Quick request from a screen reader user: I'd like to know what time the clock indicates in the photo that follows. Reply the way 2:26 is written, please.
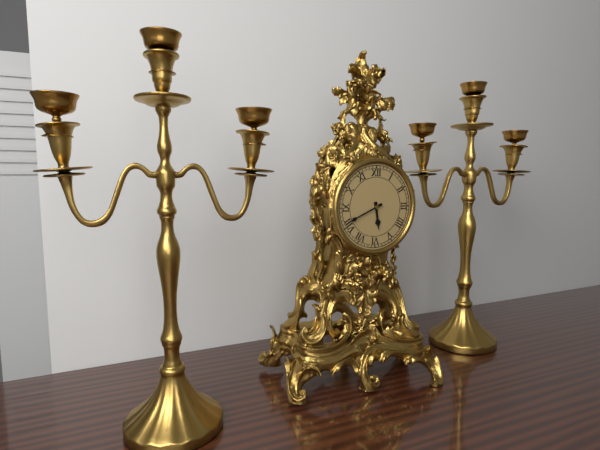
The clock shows 5:41
